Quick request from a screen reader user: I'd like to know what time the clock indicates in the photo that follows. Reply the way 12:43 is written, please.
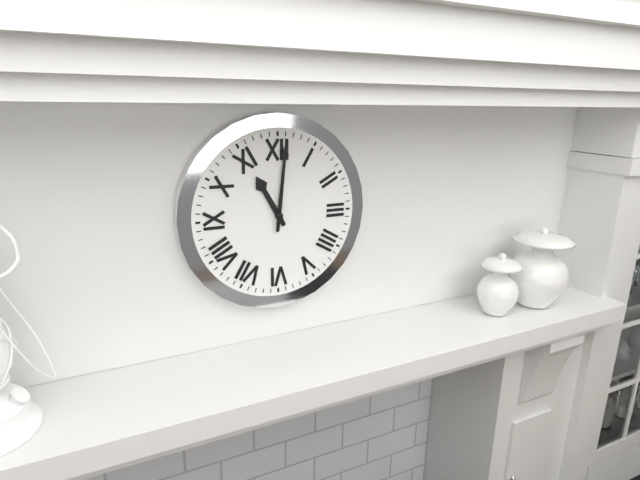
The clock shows 11:01
